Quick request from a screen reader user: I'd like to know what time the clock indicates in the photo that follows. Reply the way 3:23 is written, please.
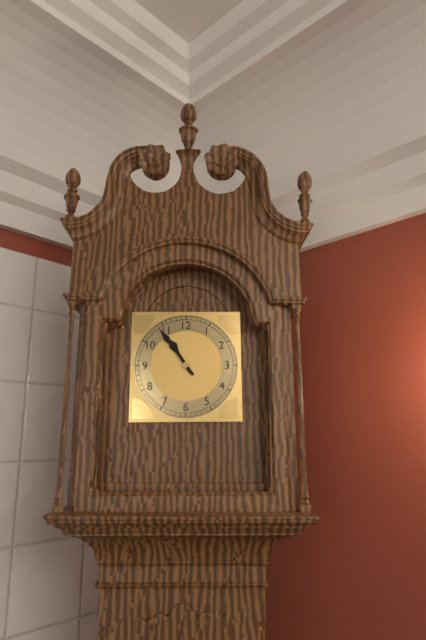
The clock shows 10:54
